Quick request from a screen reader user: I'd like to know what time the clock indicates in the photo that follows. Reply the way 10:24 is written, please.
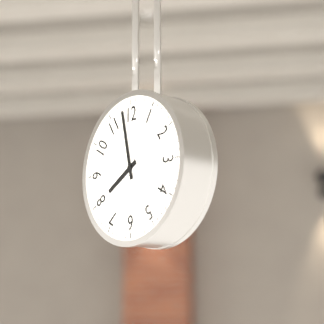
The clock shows 7:58
